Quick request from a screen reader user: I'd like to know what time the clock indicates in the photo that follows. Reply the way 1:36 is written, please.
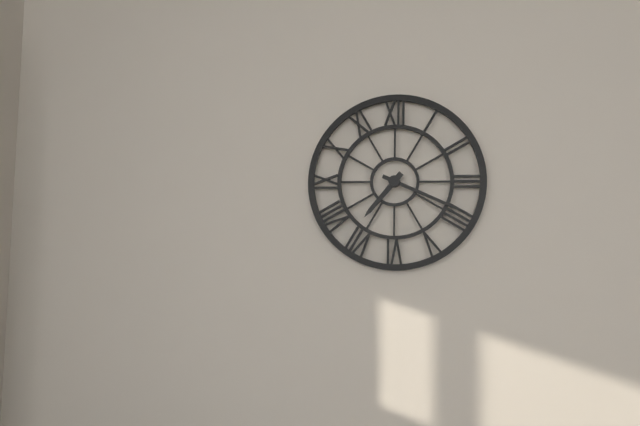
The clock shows 7:19
